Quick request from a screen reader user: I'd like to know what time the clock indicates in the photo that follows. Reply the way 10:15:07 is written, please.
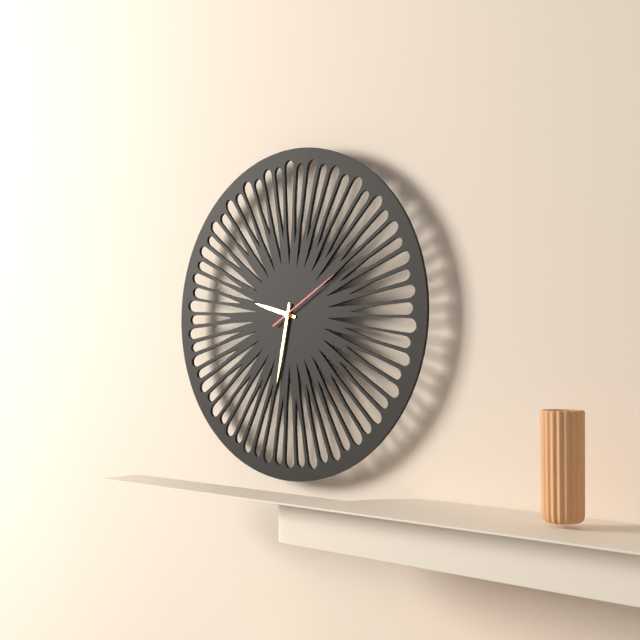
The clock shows 9:32:10
